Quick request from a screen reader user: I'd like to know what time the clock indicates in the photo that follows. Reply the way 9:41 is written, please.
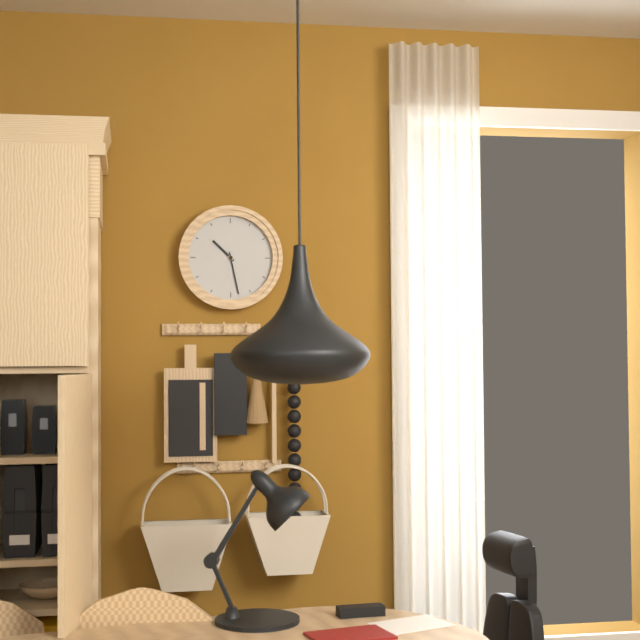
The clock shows 10:28
